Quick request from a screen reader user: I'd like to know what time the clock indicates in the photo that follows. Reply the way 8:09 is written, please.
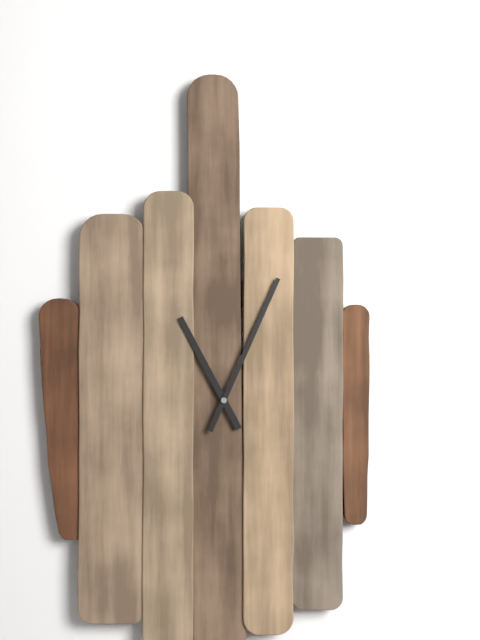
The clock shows 11:04
